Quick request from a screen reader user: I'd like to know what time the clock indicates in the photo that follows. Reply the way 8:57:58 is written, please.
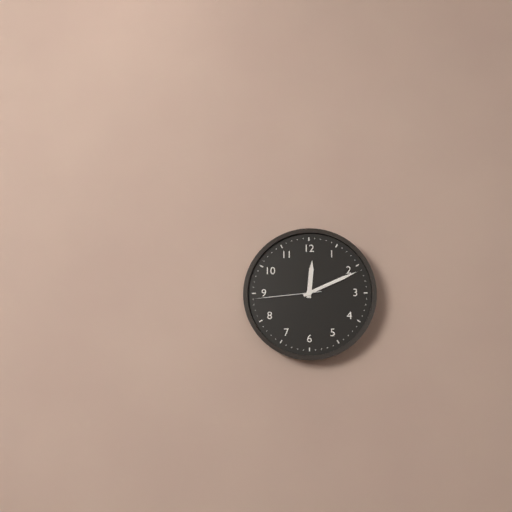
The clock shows 12:11:44
